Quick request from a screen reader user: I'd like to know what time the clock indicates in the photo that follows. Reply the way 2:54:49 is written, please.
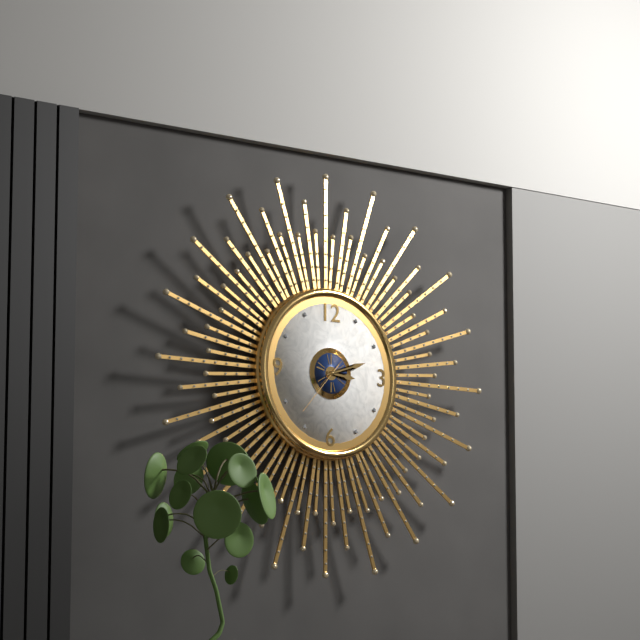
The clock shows 3:12:37
